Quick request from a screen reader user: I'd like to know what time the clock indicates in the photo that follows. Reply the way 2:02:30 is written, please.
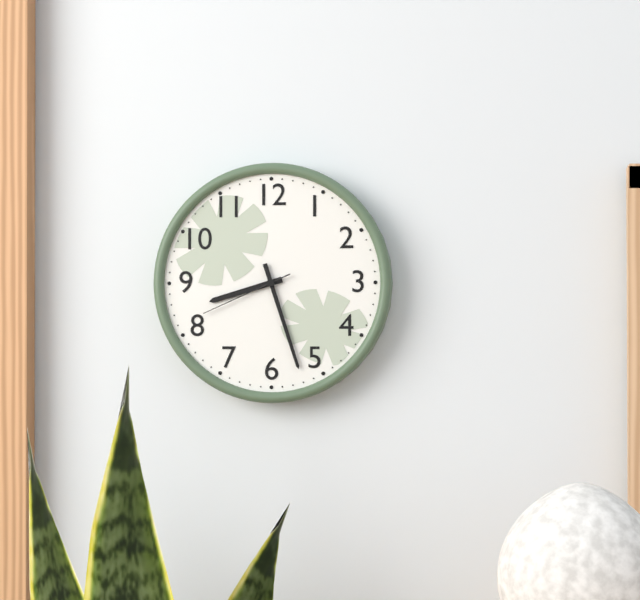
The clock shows 8:27:41
